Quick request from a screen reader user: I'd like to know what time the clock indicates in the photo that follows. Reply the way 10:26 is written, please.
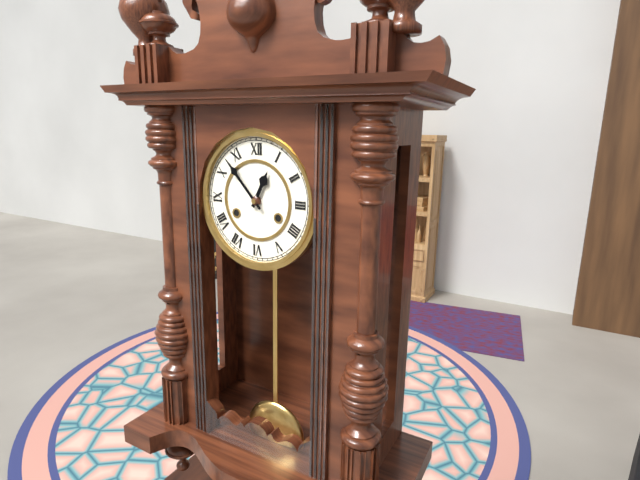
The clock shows 12:53
